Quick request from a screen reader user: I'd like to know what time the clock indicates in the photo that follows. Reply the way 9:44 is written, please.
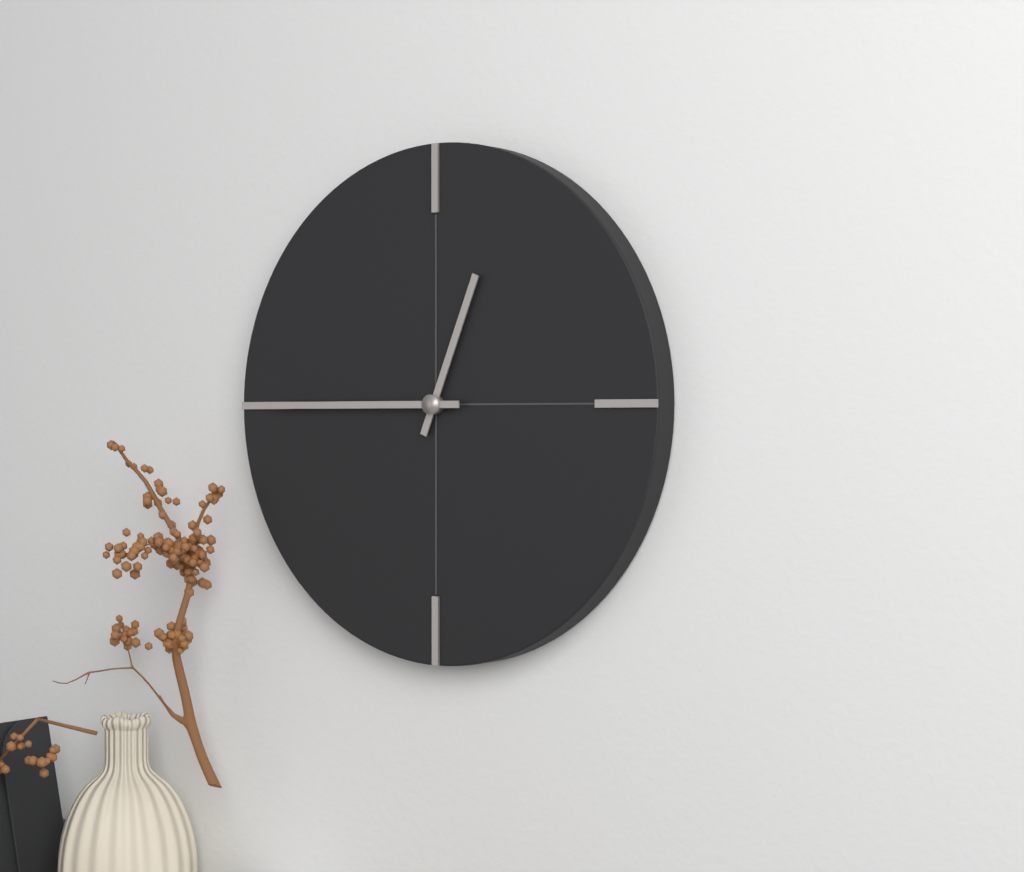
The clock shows 12:45
